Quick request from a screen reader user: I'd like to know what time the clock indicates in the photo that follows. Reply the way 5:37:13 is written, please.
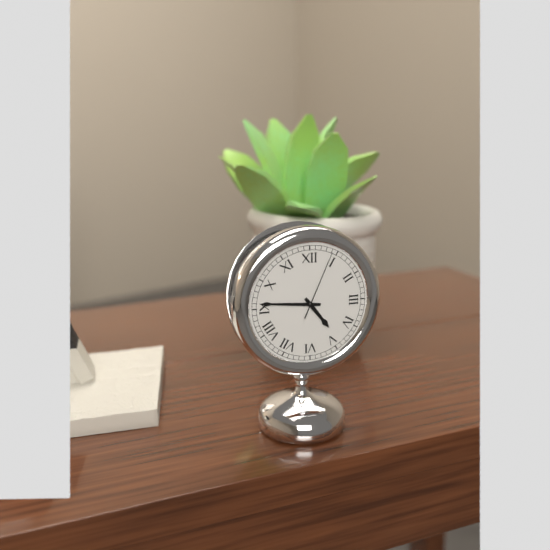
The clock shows 4:46:04
